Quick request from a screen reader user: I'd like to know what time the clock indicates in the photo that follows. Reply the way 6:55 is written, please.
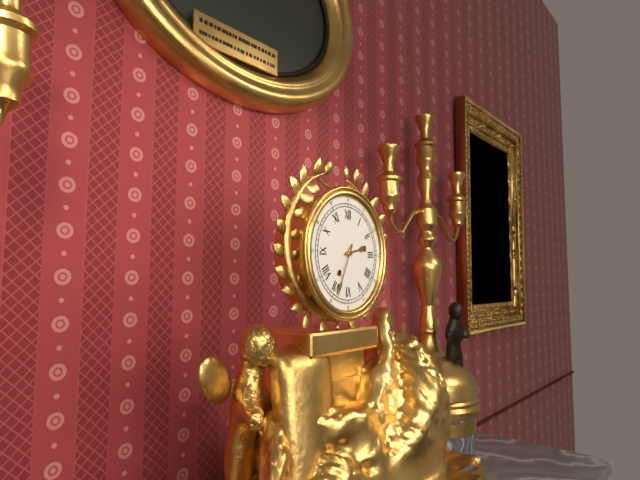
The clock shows 2:34
